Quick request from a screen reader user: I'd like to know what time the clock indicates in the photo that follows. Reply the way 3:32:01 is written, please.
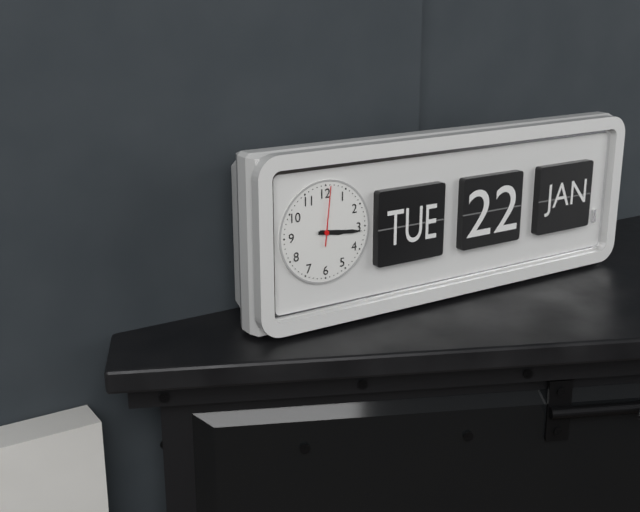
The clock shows 3:16:01
